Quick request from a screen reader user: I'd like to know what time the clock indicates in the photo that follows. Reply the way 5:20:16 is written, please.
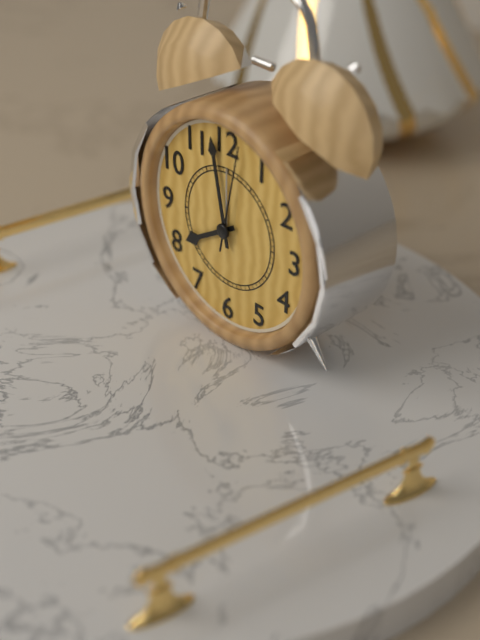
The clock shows 7:58:02
